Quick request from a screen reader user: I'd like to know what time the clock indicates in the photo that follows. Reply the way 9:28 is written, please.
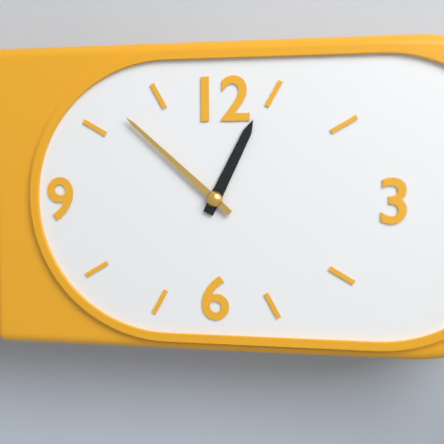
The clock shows 12:52
